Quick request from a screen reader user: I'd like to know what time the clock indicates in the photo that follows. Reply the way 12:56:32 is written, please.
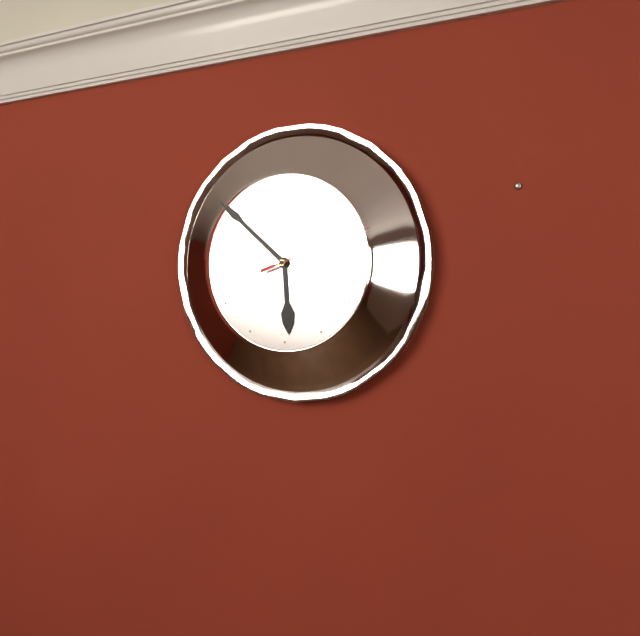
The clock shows 5:52:12
